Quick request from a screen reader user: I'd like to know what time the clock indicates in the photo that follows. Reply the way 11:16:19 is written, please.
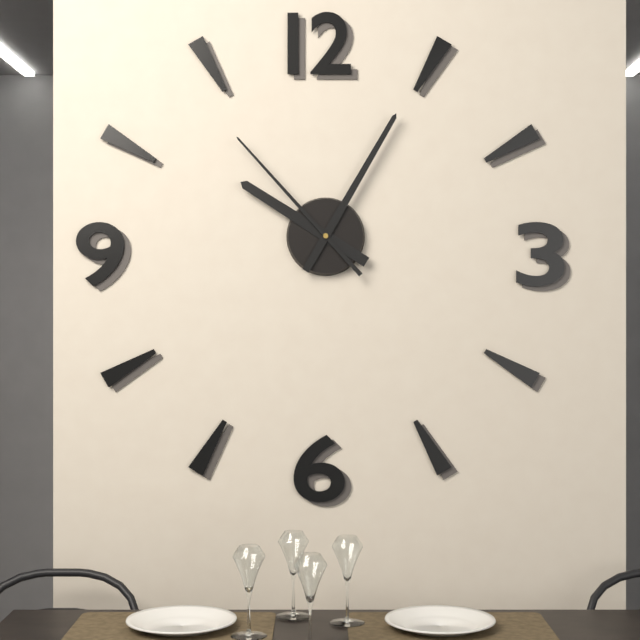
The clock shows 10:05:53
